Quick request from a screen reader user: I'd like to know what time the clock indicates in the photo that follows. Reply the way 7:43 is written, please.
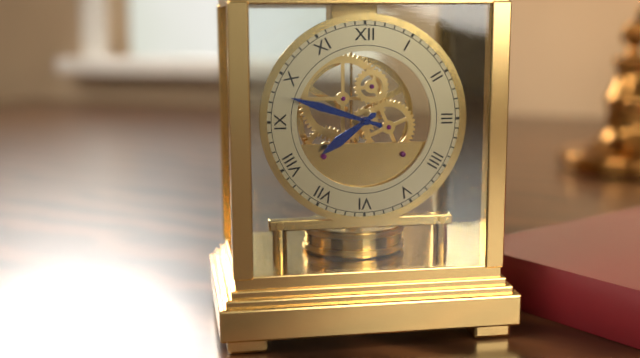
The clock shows 7:48
